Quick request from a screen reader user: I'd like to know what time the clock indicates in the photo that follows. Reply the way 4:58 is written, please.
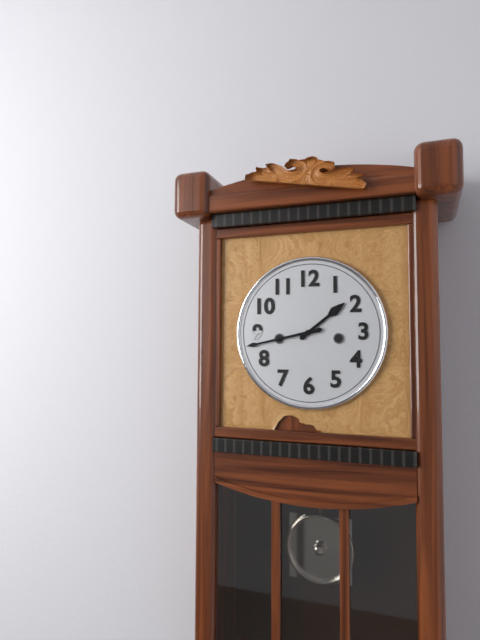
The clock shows 1:43
